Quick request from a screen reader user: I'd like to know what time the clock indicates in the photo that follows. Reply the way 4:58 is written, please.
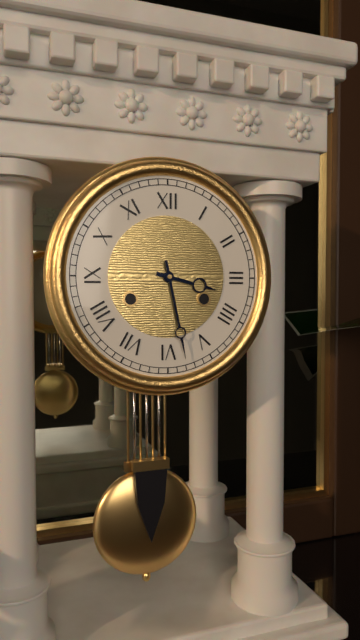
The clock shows 3:28
